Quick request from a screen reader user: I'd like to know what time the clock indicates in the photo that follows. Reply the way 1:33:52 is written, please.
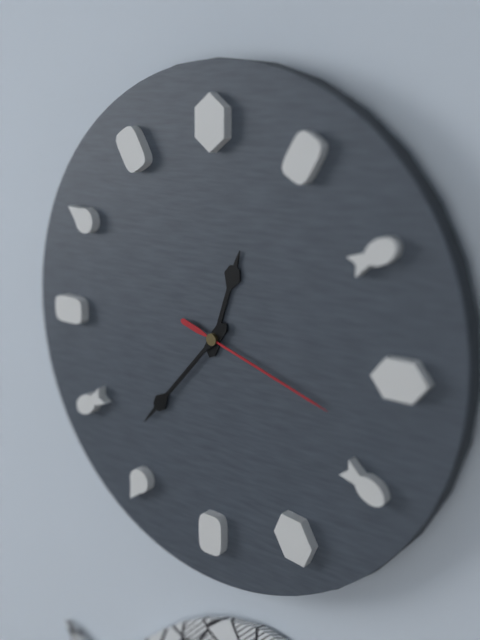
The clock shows 12:37:18
